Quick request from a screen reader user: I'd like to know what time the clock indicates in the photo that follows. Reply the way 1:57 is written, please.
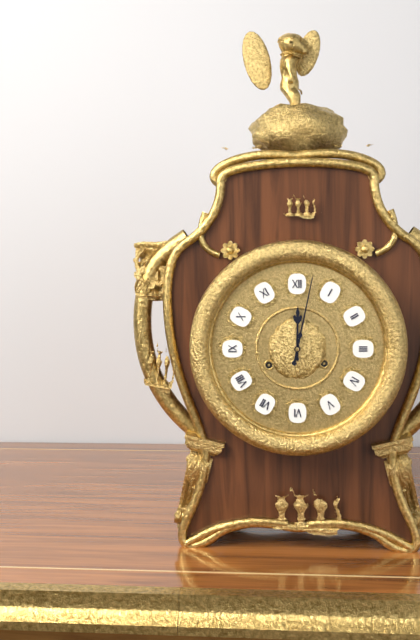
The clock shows 12:02
